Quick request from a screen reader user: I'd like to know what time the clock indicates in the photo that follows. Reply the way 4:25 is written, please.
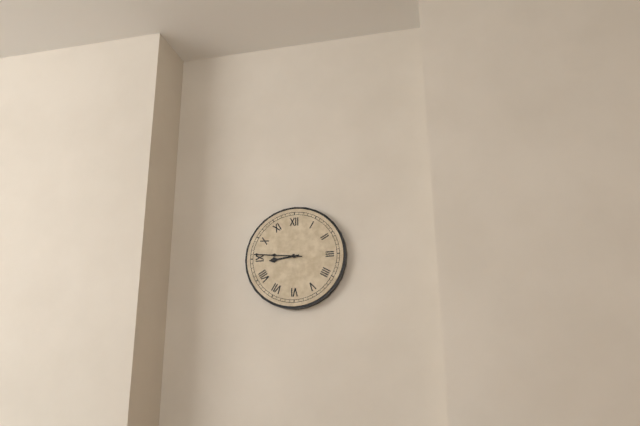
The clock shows 8:46
